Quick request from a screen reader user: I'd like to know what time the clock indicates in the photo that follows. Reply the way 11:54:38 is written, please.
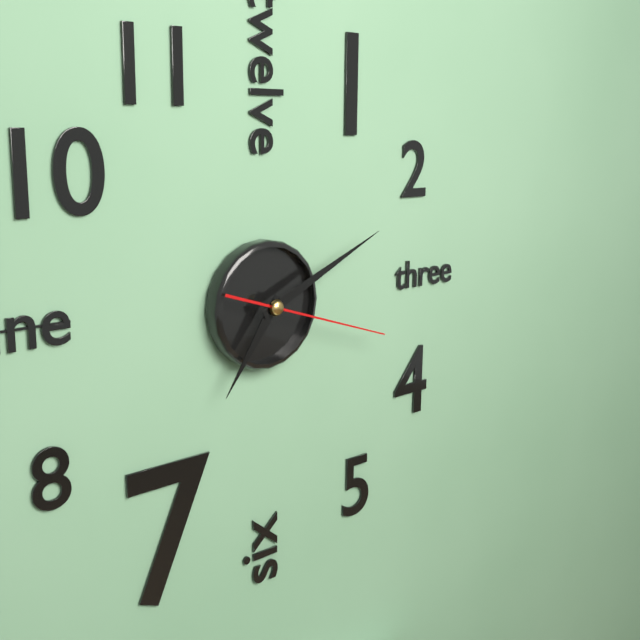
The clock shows 7:11:18
